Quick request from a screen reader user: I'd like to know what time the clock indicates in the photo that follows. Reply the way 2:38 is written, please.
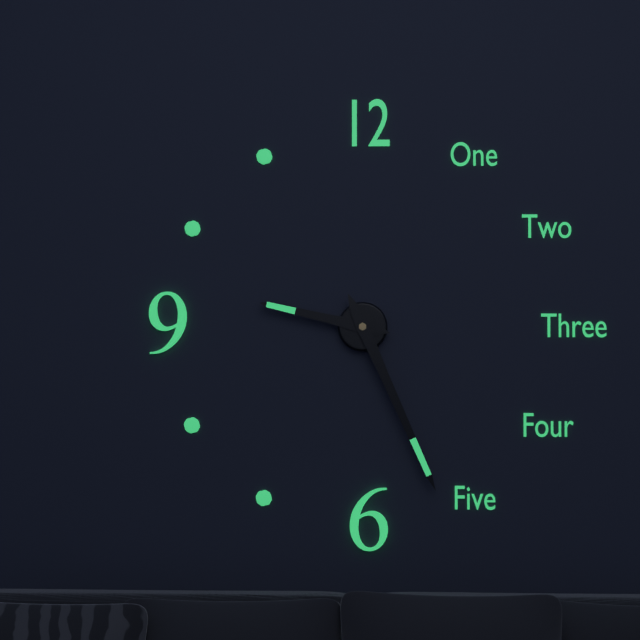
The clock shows 9:26
